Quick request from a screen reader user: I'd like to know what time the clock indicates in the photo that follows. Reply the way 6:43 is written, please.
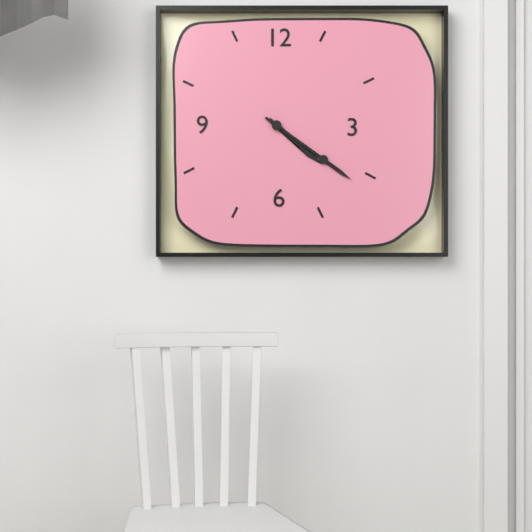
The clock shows 4:21
